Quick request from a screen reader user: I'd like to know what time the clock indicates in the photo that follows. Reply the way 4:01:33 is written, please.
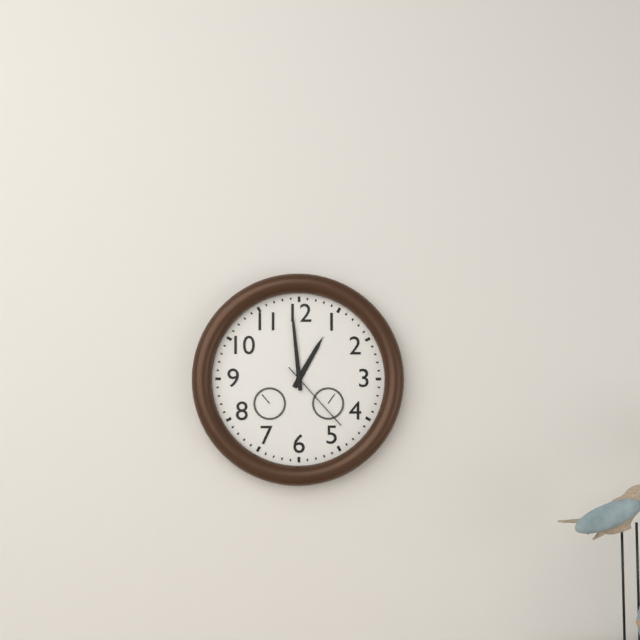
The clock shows 12:59:23
